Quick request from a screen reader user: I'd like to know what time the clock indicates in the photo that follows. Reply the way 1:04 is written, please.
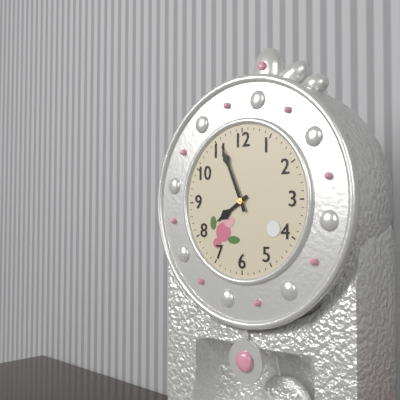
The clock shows 7:56
